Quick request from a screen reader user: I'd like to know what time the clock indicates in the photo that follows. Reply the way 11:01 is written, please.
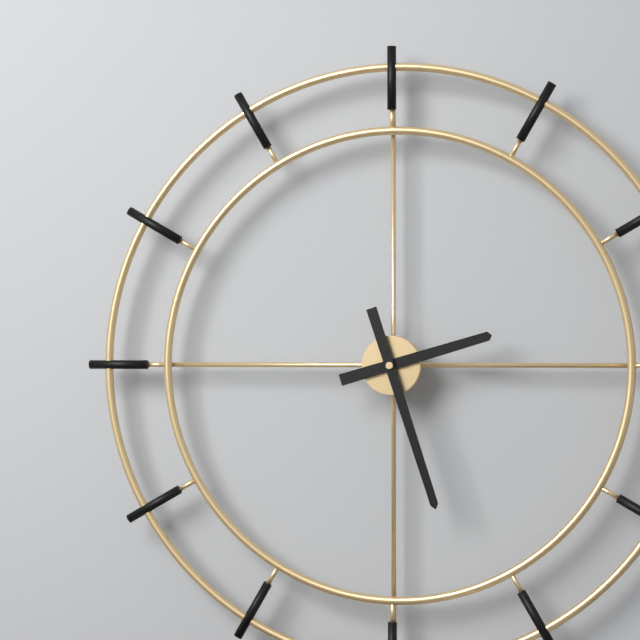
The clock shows 2:27
